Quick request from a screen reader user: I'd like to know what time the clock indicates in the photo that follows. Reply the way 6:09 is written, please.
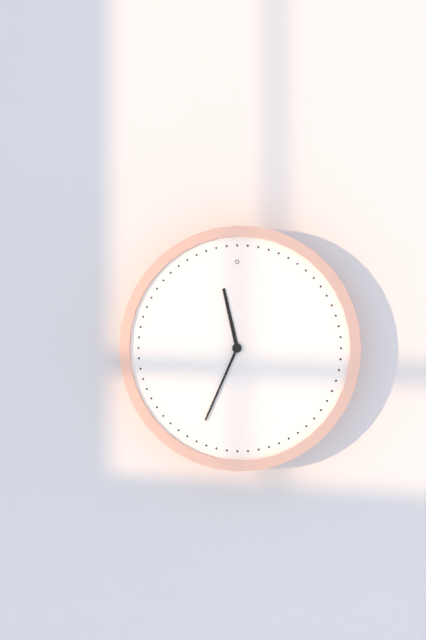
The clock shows 11:34
